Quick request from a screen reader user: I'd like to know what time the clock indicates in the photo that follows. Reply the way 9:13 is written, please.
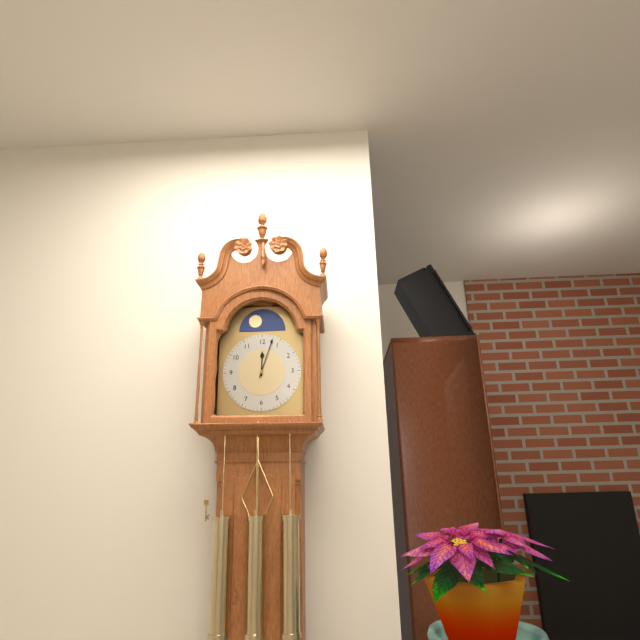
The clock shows 12:03
